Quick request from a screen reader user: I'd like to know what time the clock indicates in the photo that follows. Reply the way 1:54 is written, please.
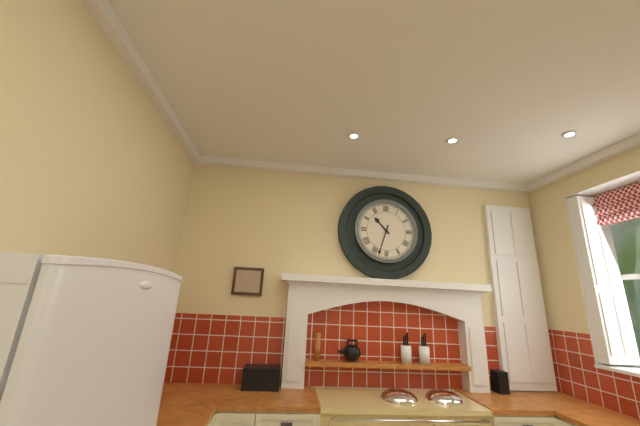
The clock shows 10:33
